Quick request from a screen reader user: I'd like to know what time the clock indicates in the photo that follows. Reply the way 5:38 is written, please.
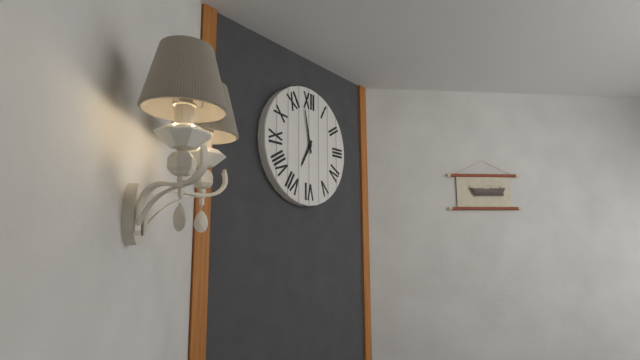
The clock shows 6:58
